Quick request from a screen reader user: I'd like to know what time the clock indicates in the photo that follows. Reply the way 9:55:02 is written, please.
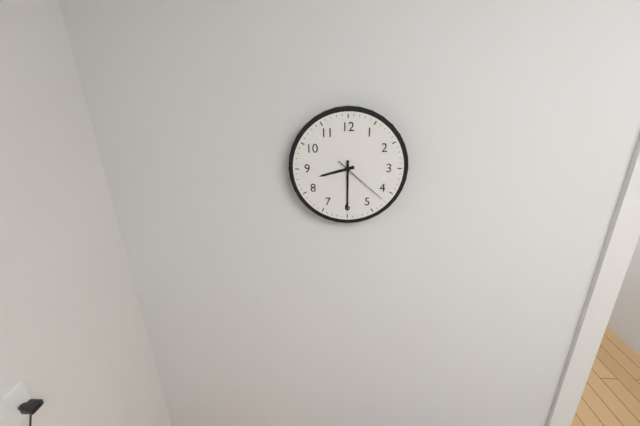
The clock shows 8:30:22
